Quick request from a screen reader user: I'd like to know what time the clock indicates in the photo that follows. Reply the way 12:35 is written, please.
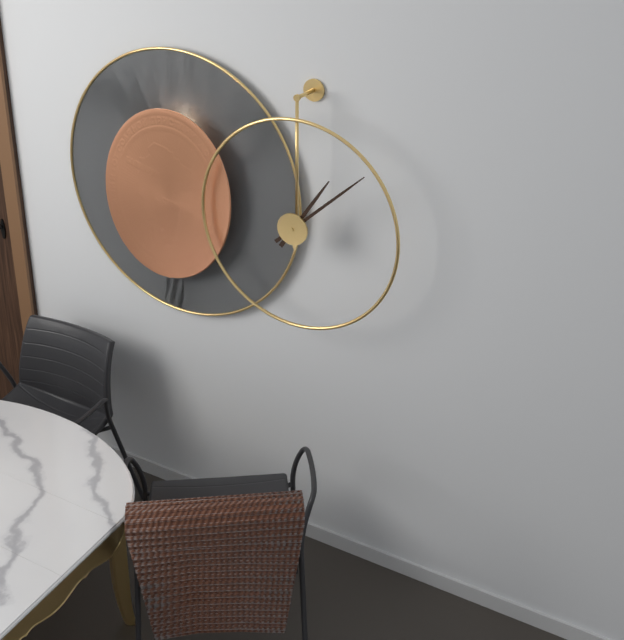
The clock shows 1:08
